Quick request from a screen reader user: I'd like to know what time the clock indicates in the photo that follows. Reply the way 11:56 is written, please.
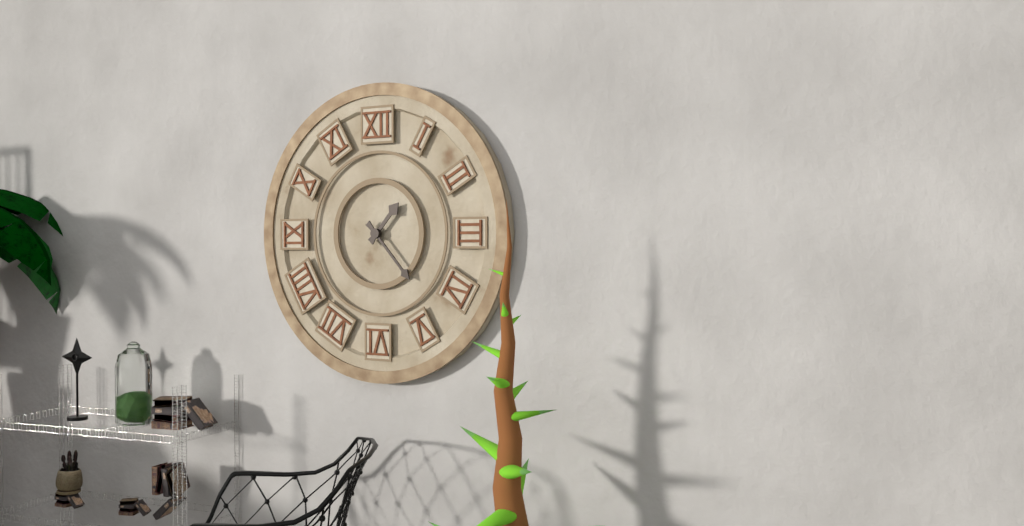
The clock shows 1:23
